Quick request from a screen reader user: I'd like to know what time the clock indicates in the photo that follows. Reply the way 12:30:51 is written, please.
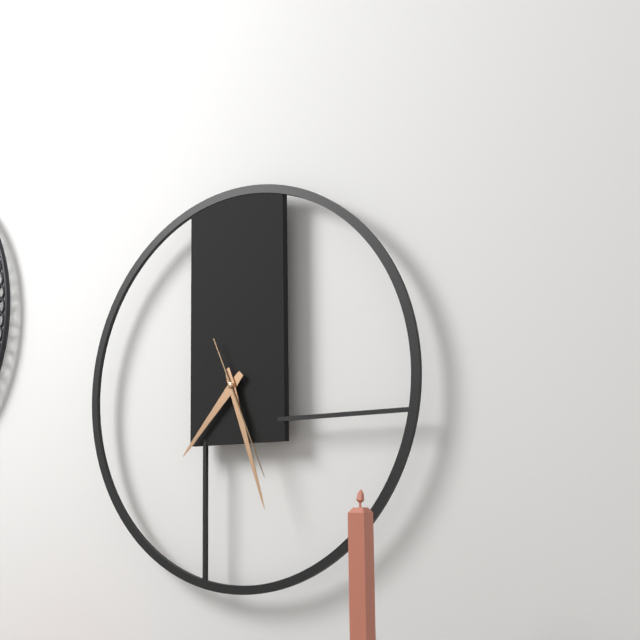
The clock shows 7:27:26
